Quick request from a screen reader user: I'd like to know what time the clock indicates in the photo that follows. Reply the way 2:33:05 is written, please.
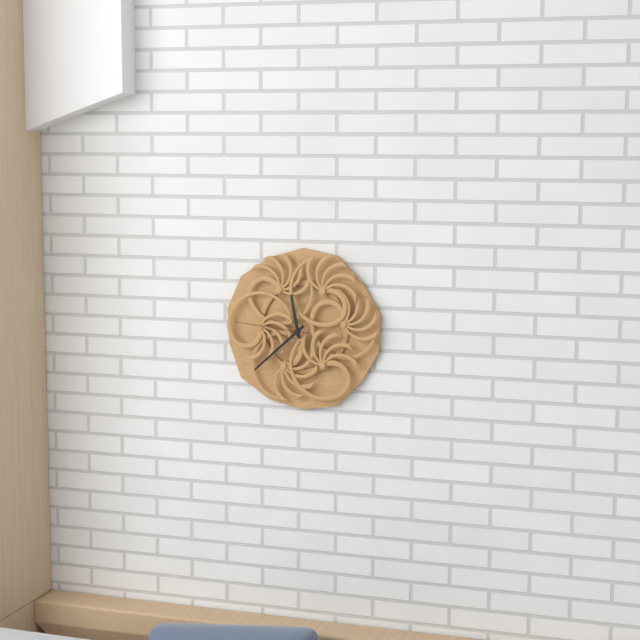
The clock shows 11:38:46
